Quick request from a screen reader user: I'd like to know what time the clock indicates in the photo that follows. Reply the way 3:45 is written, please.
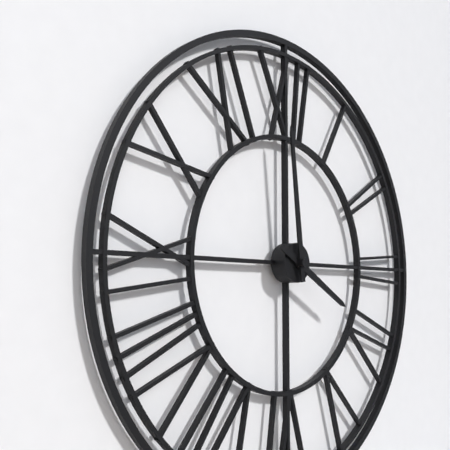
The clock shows 3:59
